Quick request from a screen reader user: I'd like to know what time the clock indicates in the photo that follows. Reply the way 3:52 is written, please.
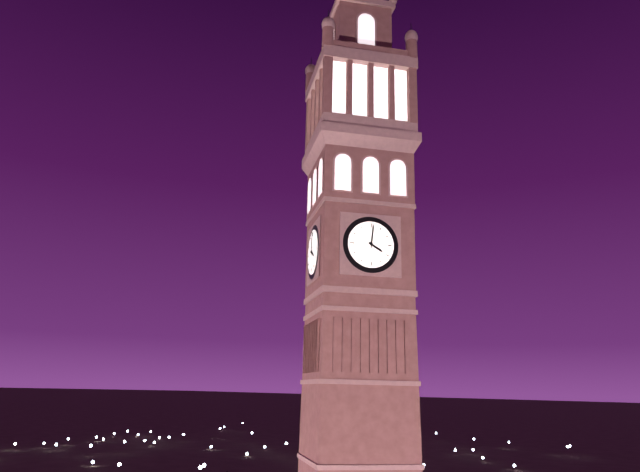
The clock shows 4:01
